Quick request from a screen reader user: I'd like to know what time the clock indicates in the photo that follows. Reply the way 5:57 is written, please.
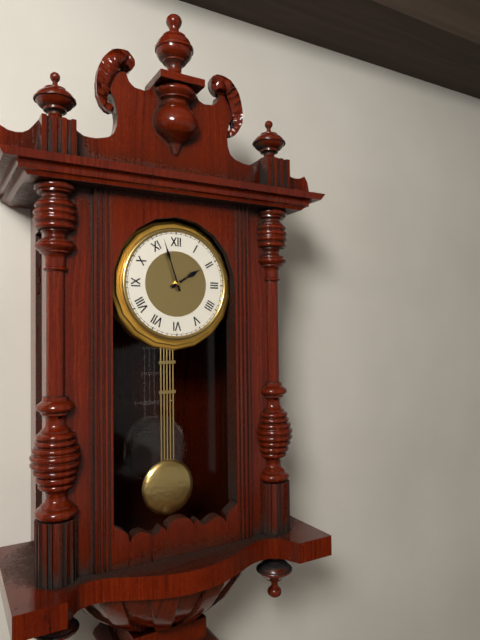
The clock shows 1:57
